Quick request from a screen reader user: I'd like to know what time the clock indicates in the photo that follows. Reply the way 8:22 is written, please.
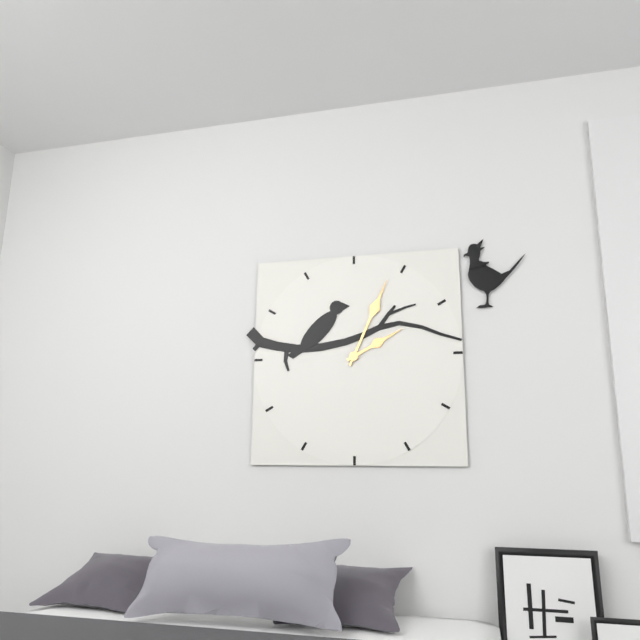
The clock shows 2:04
